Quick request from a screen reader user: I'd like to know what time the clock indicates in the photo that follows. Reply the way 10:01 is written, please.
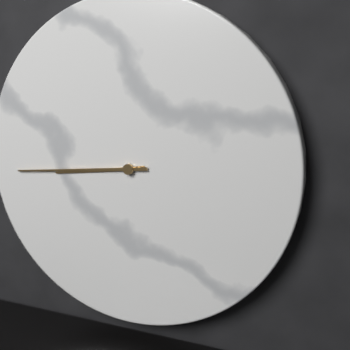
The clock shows 8:44
